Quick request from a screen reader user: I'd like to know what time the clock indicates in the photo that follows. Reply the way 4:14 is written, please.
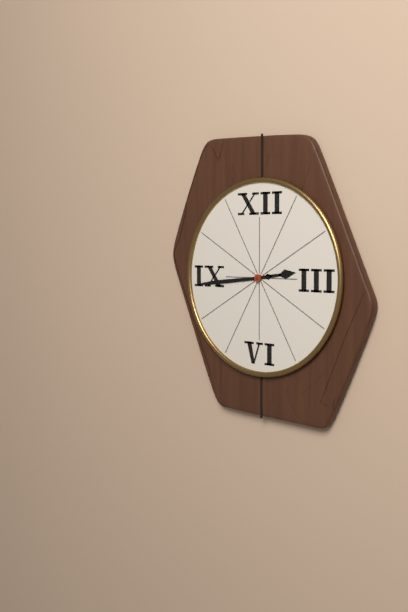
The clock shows 2:44
